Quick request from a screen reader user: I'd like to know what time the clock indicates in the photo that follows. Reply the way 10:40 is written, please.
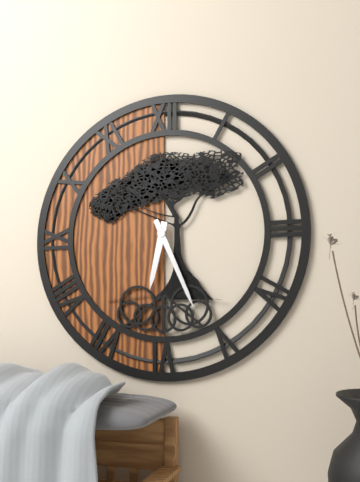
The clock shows 6:26
